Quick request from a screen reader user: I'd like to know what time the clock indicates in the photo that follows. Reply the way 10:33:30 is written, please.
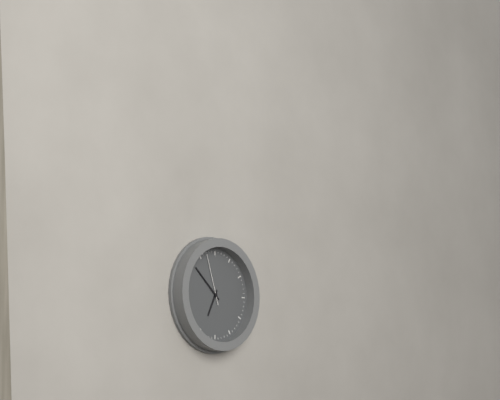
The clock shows 6:52:57
